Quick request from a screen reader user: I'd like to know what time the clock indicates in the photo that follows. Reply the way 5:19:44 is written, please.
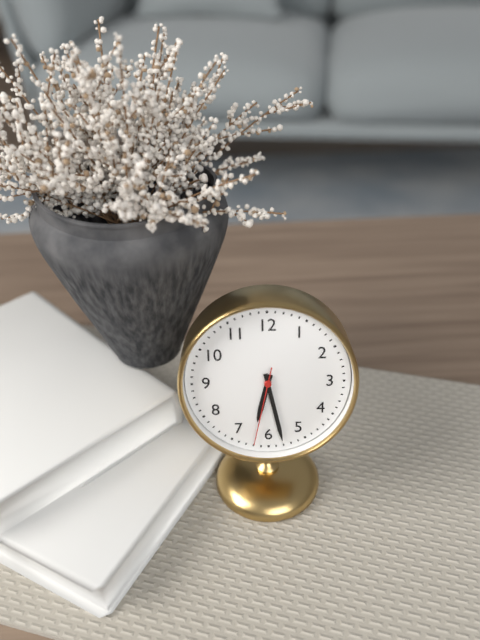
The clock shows 6:28:32
